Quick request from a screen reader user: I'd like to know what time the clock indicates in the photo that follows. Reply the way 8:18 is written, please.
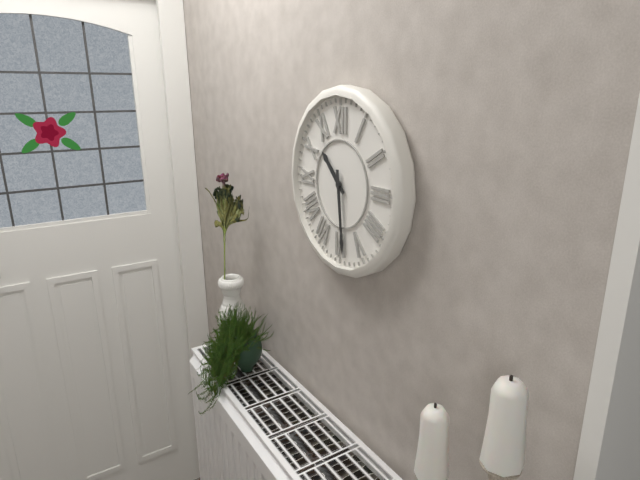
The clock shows 10:29
